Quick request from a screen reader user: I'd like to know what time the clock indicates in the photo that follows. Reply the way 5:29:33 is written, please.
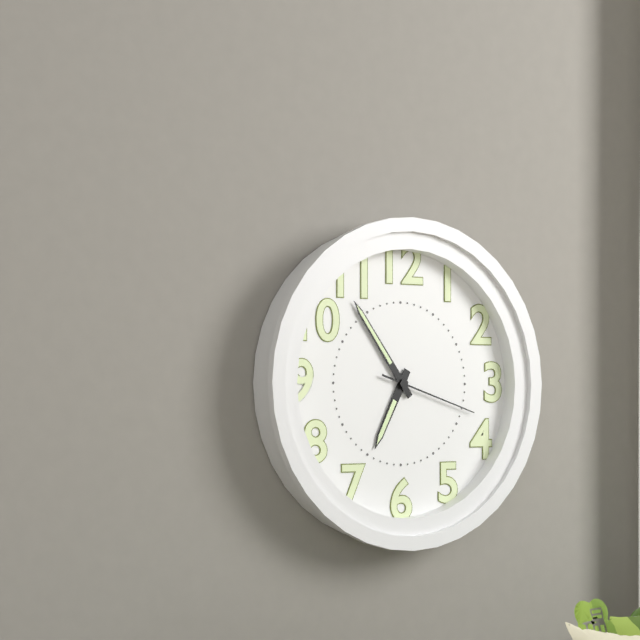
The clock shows 6:54:18
